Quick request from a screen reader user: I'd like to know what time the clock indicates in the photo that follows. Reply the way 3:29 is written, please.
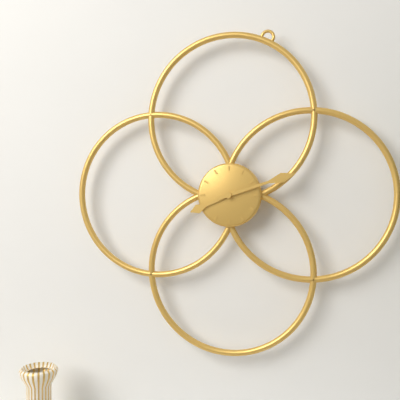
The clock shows 8:12
